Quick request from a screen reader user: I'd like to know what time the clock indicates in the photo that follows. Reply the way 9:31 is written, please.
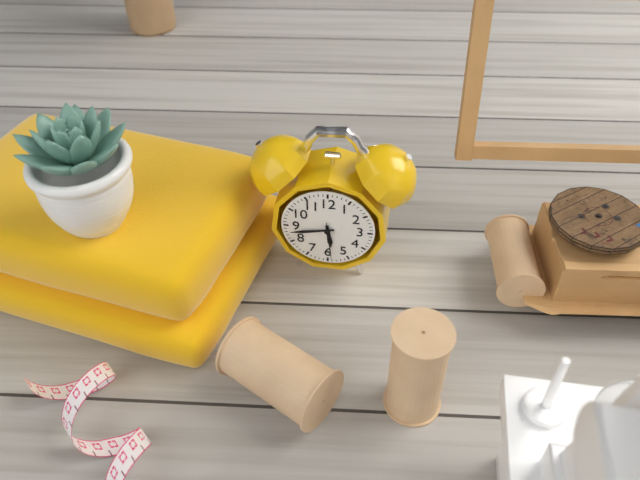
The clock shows 5:43
